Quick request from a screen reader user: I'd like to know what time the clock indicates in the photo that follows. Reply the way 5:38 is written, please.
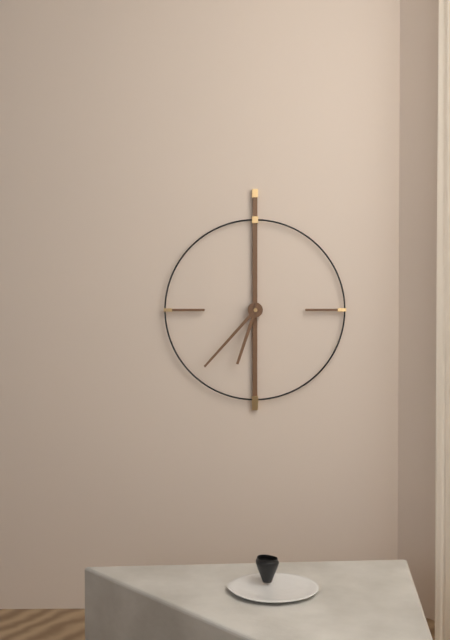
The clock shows 6:37
